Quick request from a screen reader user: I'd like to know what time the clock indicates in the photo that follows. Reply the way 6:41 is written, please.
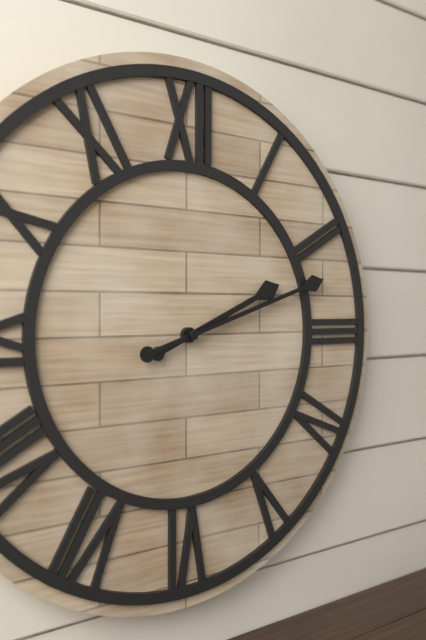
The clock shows 2:12
